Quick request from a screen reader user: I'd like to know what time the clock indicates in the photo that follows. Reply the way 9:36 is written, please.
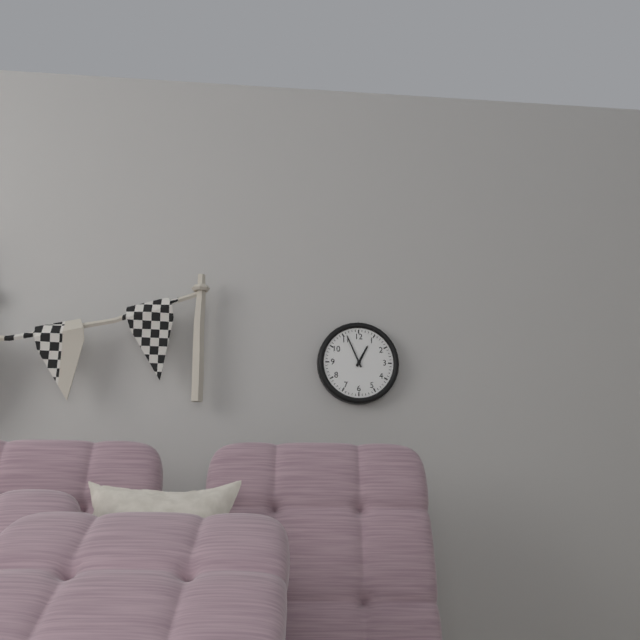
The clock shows 12:56
